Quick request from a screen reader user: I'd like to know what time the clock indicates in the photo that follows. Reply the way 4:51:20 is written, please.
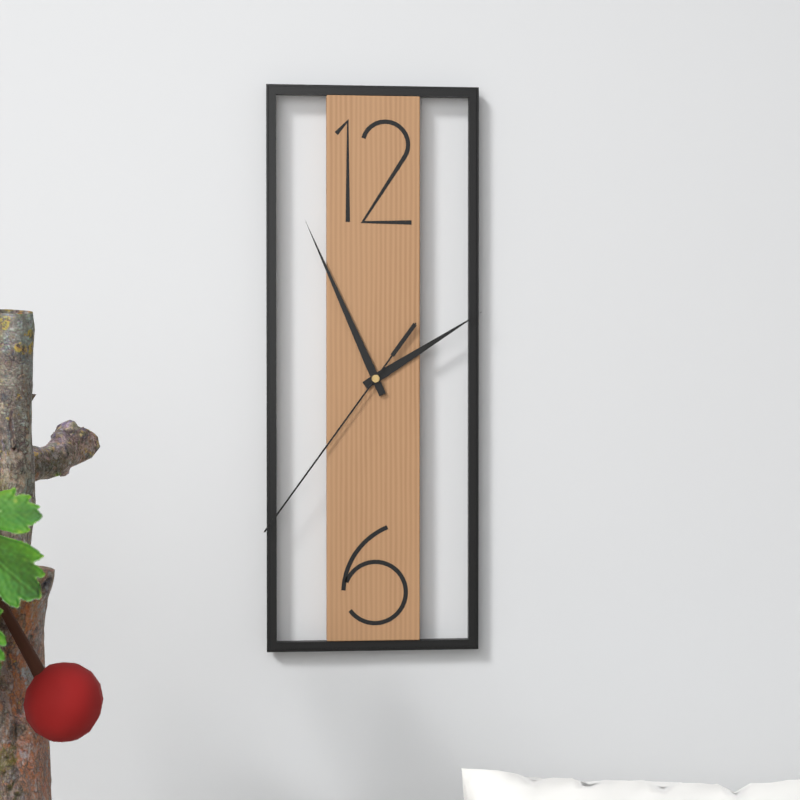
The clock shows 1:56:36
